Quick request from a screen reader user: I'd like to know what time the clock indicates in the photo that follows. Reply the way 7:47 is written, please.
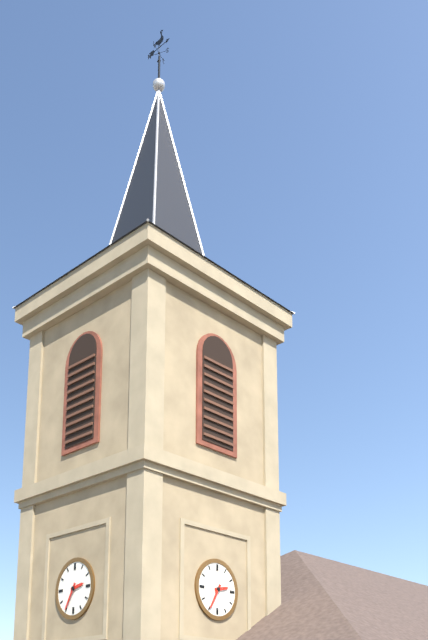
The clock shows 2:35
